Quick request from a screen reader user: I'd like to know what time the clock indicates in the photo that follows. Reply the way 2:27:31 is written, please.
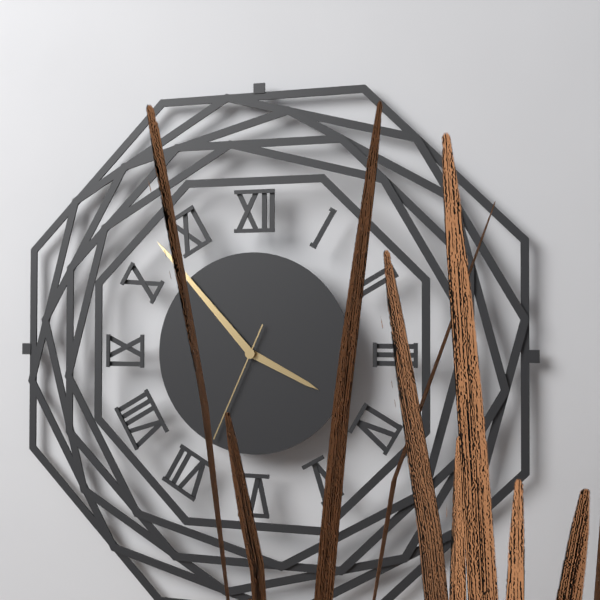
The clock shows 3:53:34
